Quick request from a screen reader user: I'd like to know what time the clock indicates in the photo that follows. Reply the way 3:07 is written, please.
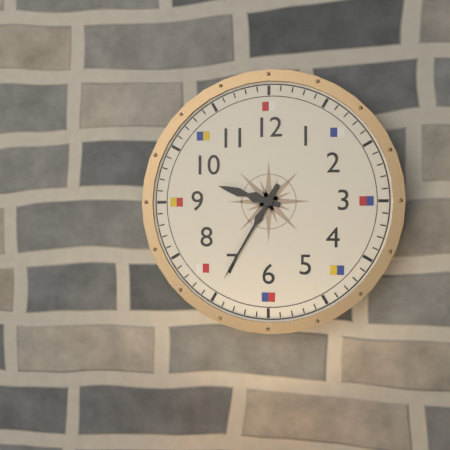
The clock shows 9:35
